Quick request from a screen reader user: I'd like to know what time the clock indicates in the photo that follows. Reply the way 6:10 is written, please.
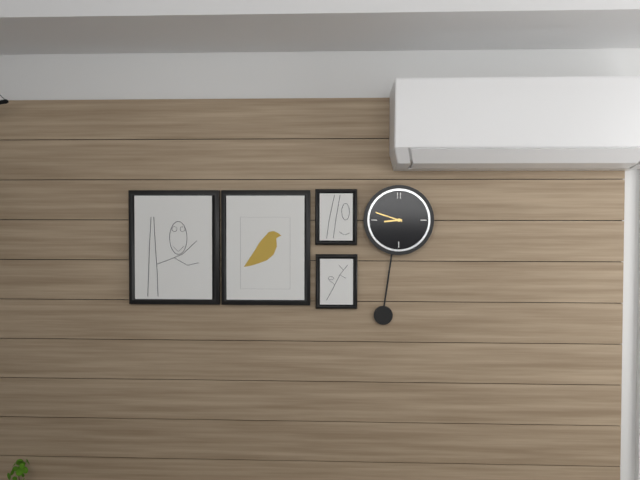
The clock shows 8:48
